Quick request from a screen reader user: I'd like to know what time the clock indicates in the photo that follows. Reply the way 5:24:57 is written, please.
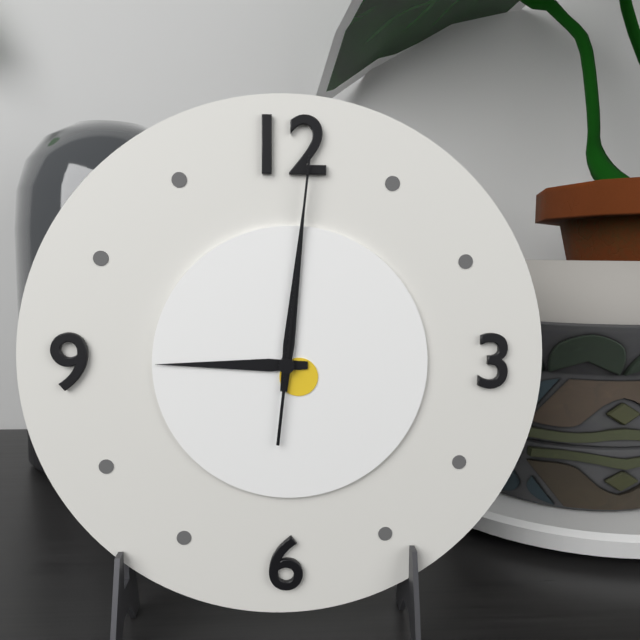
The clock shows 9:01:01
